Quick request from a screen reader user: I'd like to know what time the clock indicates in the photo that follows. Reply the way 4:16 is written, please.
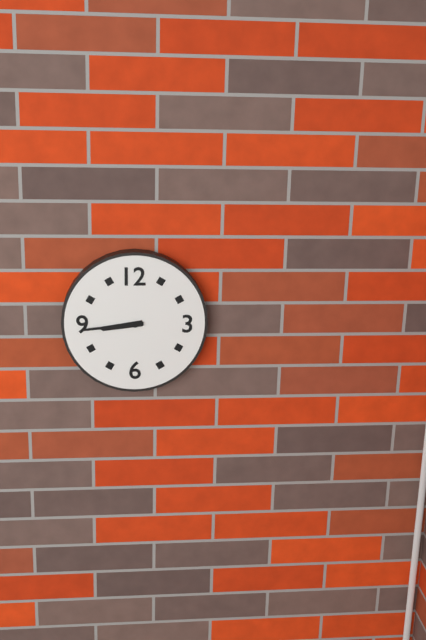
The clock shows 8:44
